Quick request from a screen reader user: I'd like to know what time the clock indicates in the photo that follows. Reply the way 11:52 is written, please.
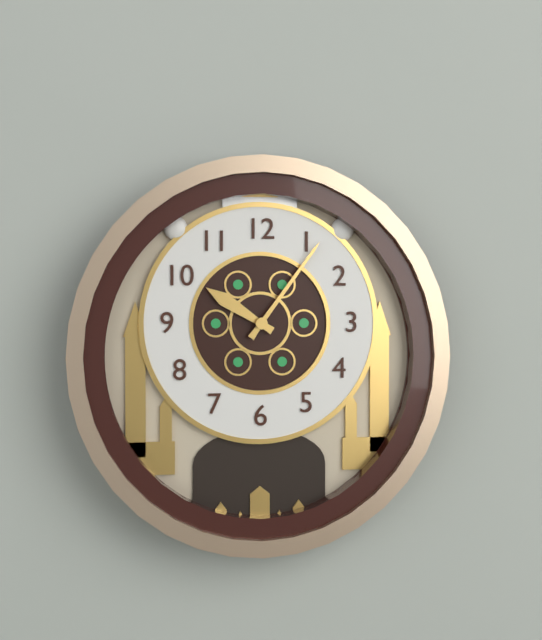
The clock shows 10:06
